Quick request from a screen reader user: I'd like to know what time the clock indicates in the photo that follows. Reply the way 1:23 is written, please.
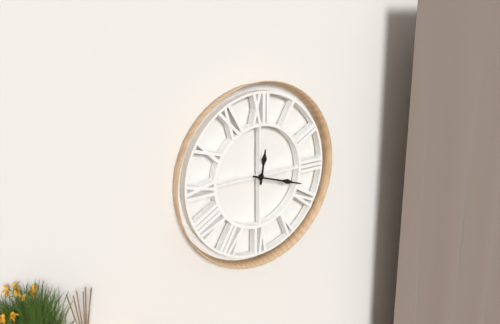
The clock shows 12:18
